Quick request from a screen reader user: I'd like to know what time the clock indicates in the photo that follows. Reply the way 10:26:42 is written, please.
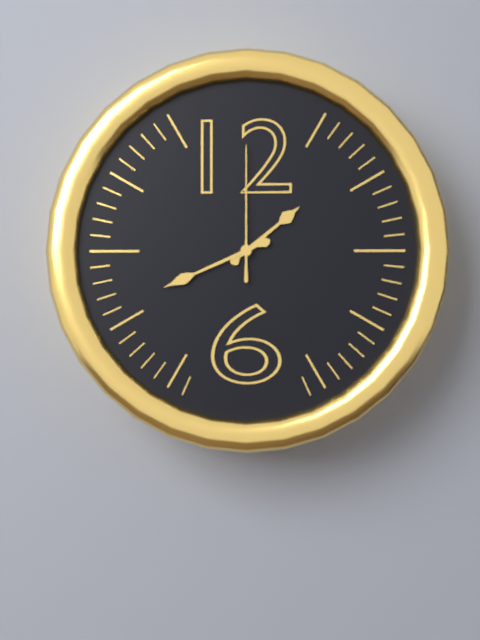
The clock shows 1:41:00
